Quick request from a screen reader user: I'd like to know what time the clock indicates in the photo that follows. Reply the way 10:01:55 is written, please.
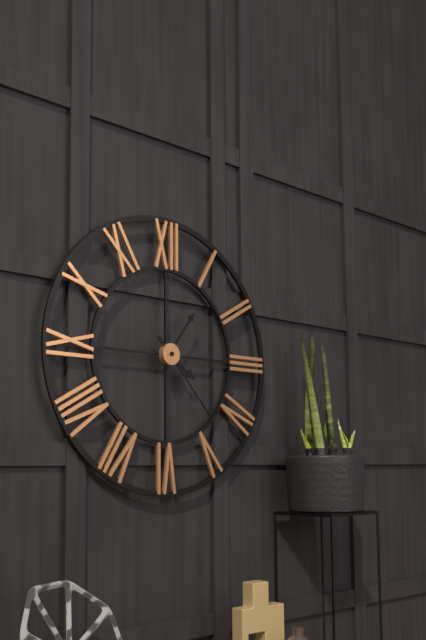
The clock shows 4:06:23
